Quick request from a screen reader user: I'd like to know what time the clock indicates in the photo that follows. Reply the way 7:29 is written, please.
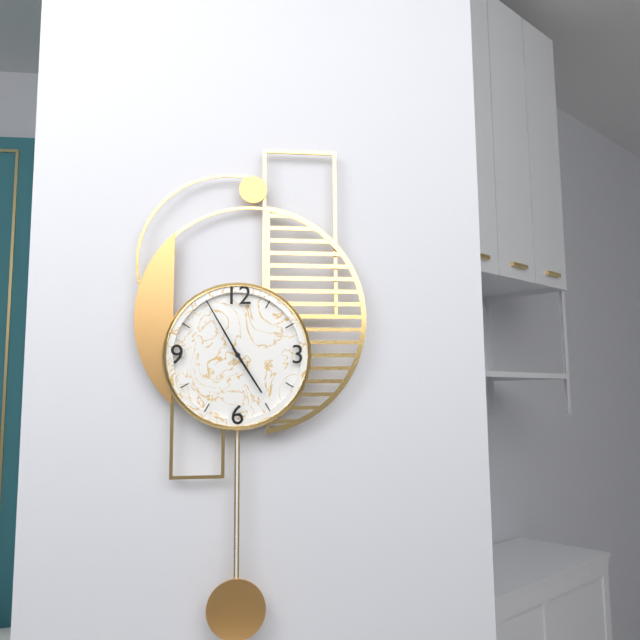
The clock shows 4:55
